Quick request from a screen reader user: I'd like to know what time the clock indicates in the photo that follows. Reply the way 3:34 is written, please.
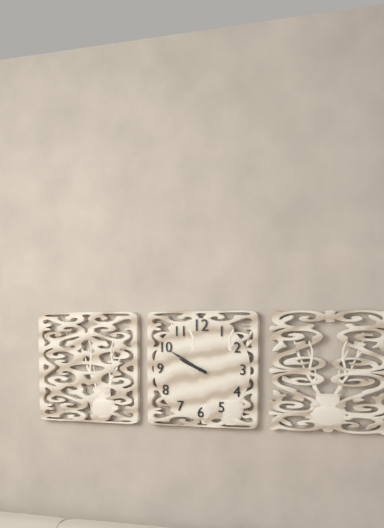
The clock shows 9:50
